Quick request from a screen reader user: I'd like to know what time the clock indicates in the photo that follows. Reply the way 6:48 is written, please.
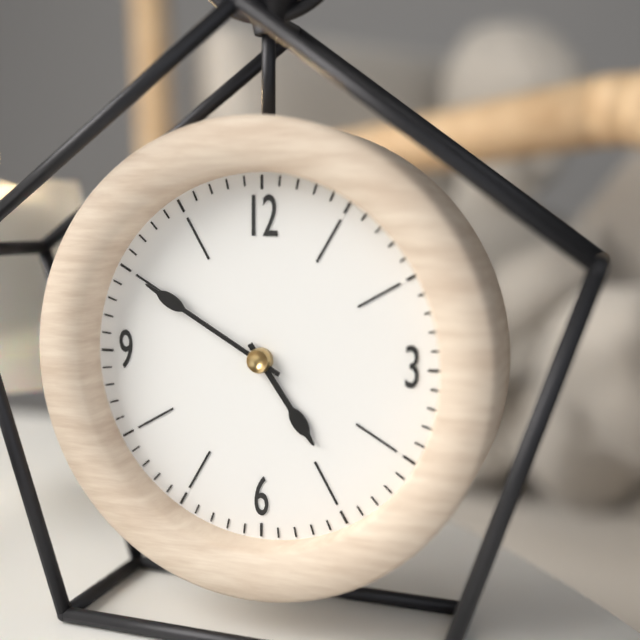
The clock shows 4:50
